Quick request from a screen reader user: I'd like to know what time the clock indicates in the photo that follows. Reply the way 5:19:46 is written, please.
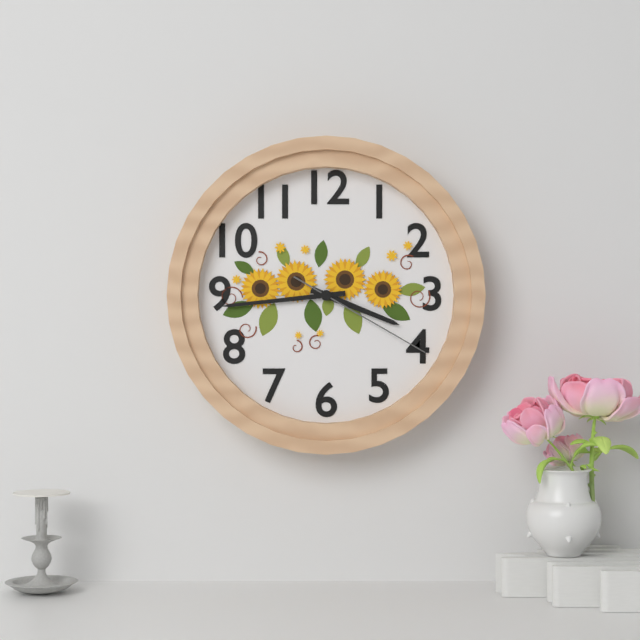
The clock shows 3:44:20
